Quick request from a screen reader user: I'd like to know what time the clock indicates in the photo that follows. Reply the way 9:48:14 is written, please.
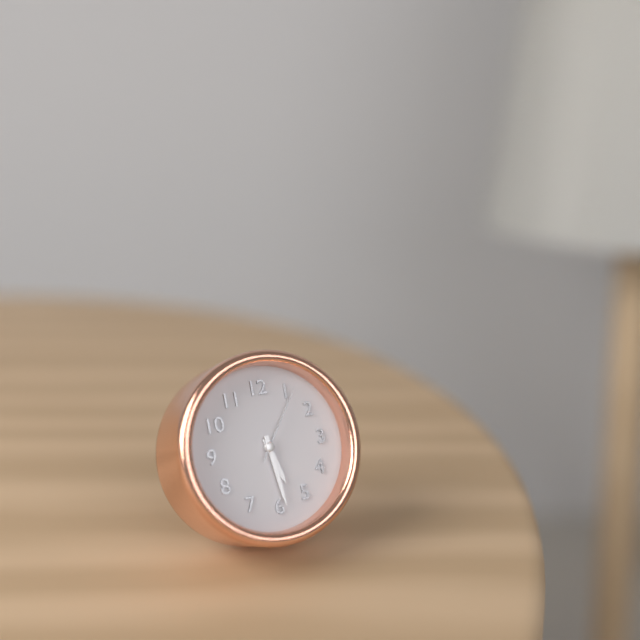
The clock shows 5:29:06
